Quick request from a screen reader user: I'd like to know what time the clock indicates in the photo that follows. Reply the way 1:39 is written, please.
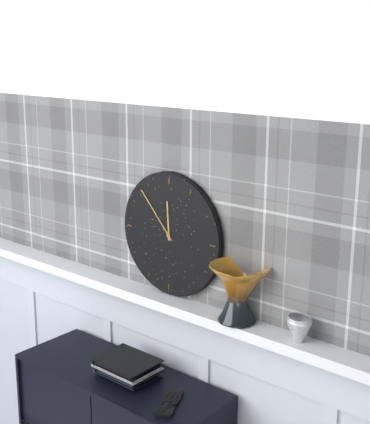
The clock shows 11:53
